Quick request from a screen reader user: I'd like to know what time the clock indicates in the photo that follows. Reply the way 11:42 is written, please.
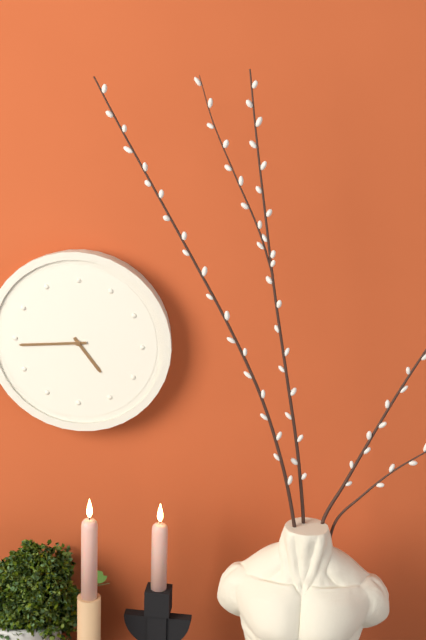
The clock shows 4:44
